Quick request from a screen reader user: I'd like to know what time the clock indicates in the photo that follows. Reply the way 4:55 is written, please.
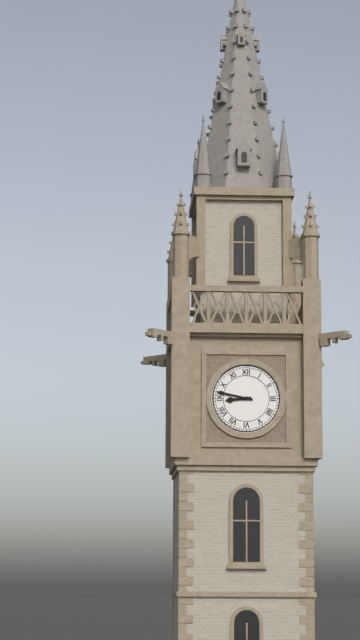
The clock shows 8:47
